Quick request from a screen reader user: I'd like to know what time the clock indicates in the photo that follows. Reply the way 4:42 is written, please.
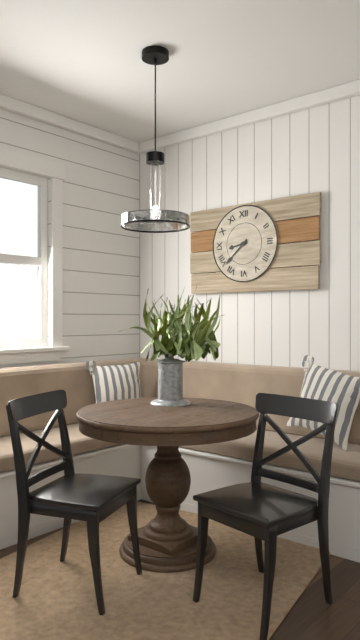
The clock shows 8:38
